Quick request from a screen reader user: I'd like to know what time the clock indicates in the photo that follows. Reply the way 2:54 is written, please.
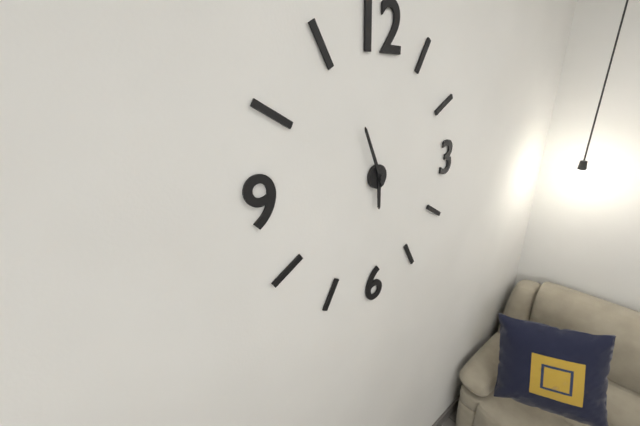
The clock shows 5:56
